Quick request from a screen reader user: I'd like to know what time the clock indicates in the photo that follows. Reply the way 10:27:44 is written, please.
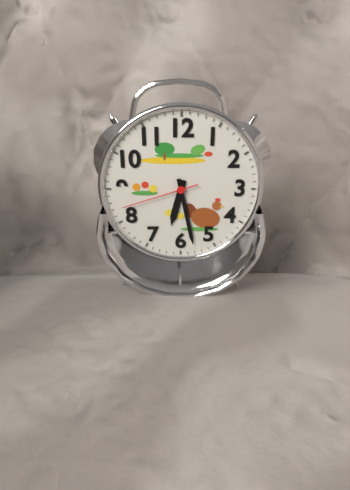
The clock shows 6:28:42
